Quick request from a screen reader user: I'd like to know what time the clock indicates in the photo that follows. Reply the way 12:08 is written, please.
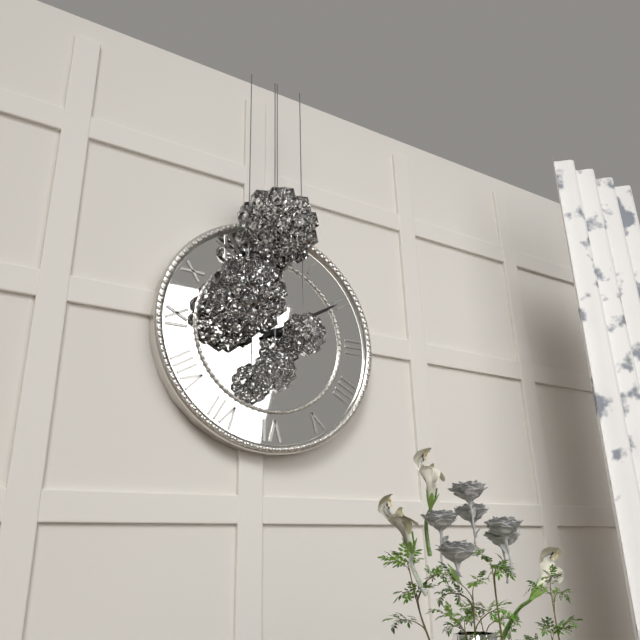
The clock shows 9:10
